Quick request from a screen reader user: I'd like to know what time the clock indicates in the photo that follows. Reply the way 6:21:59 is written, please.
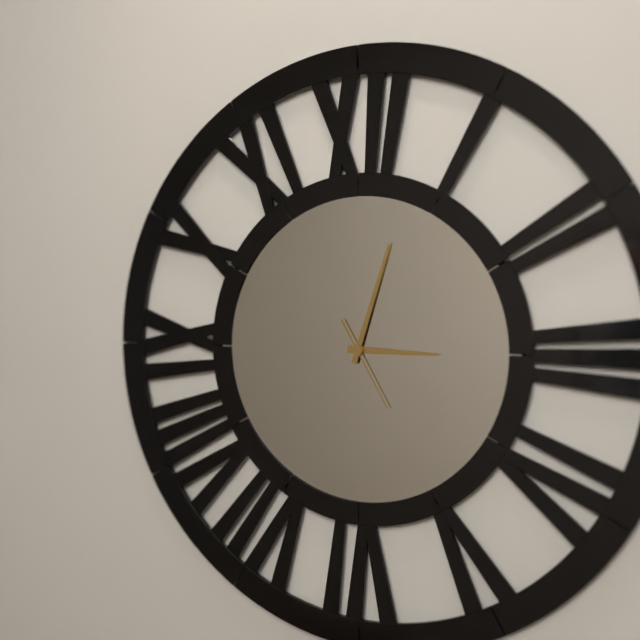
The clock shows 3:03:25
